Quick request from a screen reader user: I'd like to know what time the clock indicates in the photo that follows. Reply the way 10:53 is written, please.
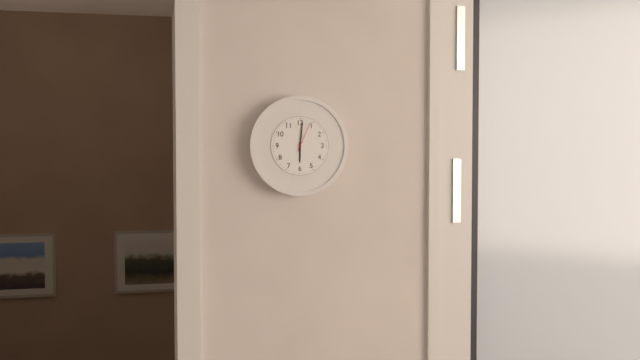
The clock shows 6:01
